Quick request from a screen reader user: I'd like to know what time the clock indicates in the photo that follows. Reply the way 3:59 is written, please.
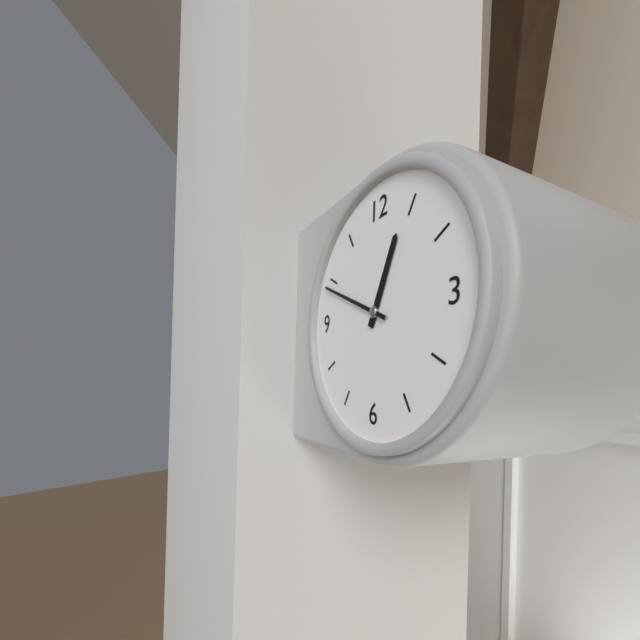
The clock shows 12:49
